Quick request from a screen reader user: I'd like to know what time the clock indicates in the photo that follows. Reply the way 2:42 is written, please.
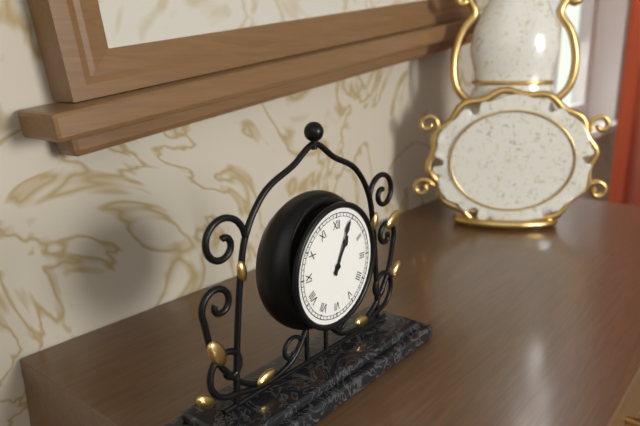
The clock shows 1:04
